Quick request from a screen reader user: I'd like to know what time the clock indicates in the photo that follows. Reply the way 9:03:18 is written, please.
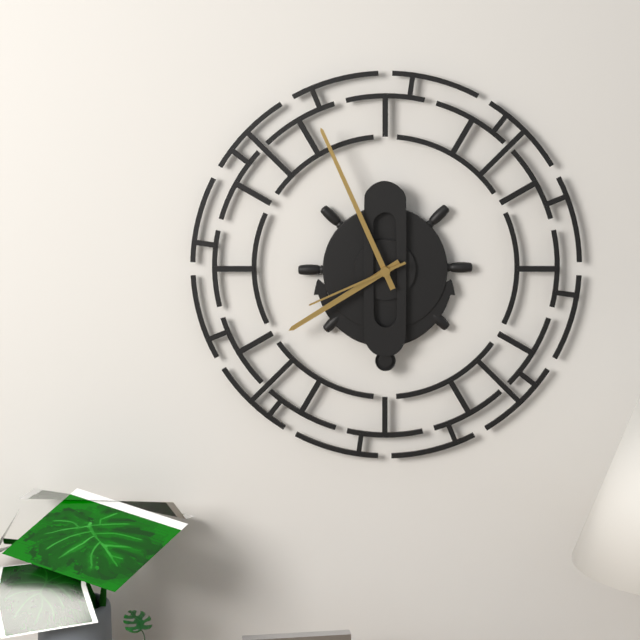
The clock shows 7:56:41
